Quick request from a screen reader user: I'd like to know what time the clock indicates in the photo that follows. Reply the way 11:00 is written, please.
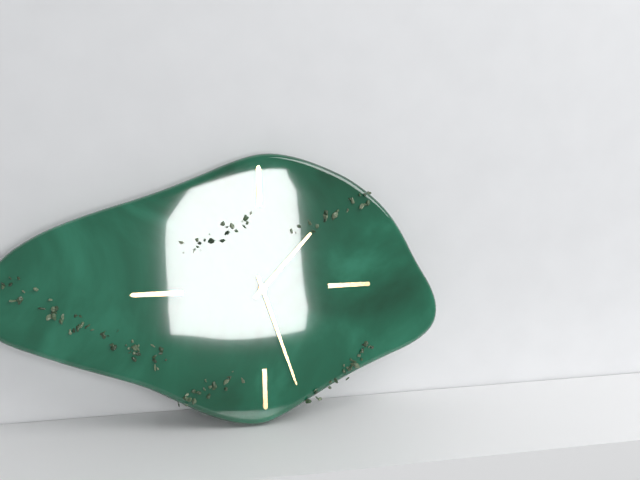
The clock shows 1:27
